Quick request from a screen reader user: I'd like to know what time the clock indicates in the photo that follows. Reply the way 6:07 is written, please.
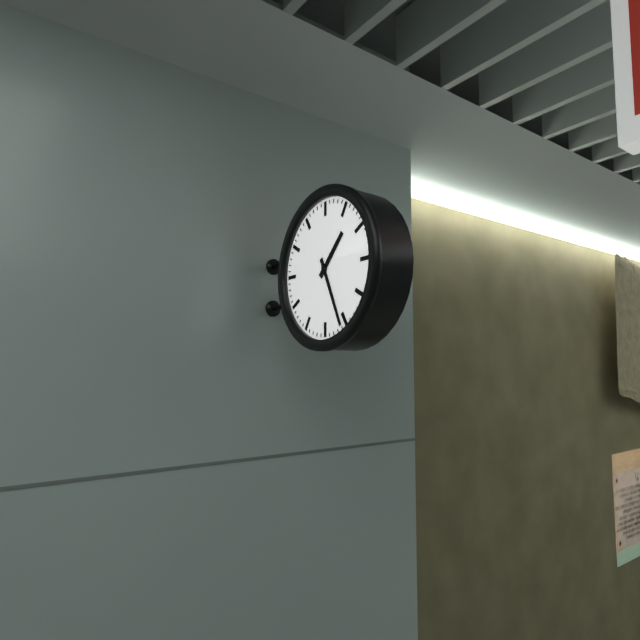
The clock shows 1:26
